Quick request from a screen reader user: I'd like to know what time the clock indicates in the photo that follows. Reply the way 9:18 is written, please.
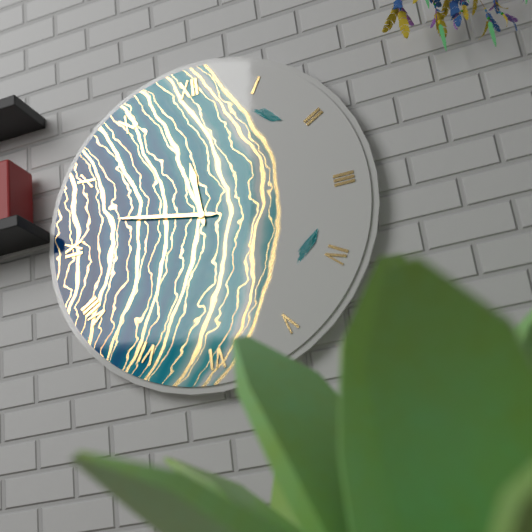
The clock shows 11:47
